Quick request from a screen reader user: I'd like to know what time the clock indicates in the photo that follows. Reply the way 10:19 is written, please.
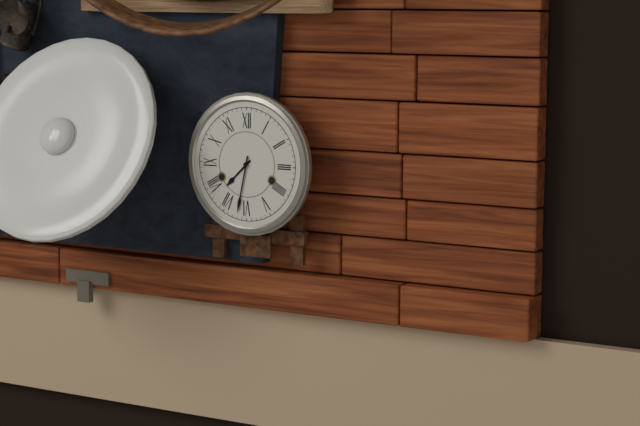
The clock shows 7:32
